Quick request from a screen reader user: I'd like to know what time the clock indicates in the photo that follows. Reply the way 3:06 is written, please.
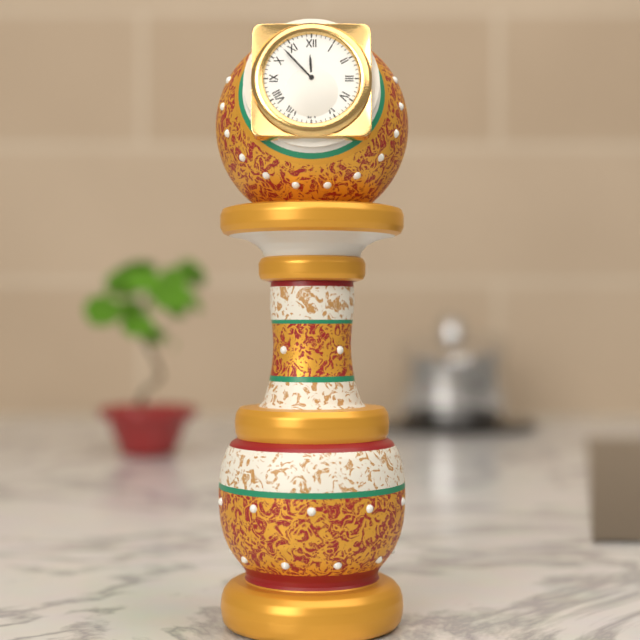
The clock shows 11:53
